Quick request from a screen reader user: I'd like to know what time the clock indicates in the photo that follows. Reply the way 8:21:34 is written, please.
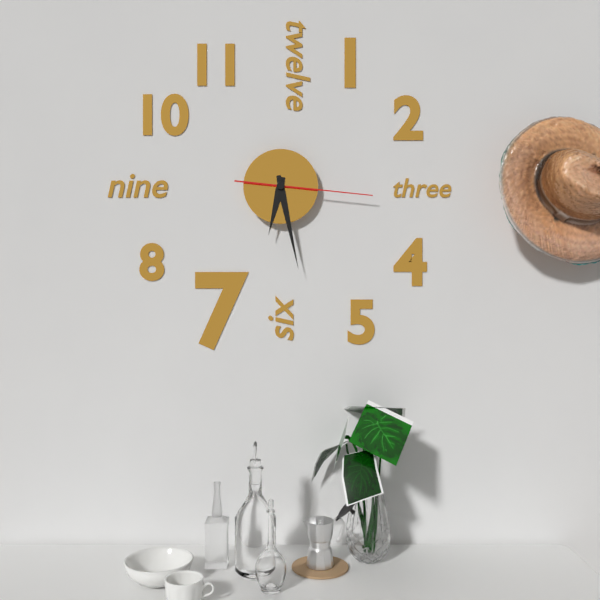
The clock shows 6:28:16
